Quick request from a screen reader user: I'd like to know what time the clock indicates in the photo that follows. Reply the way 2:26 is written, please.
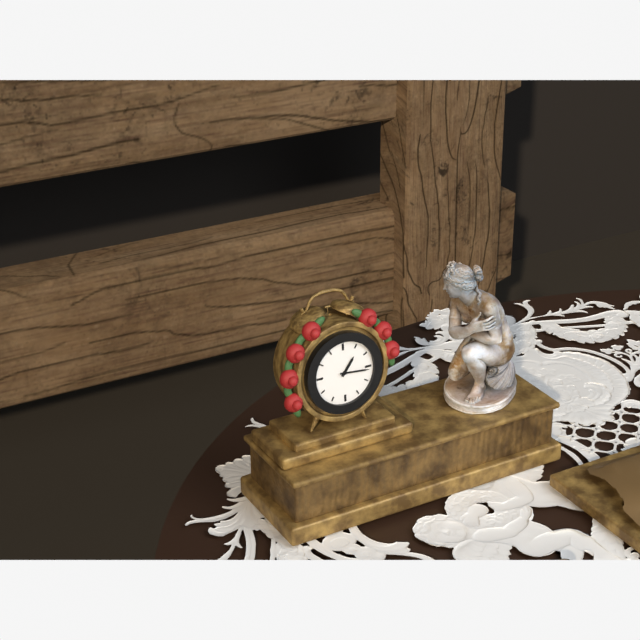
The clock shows 1:16
